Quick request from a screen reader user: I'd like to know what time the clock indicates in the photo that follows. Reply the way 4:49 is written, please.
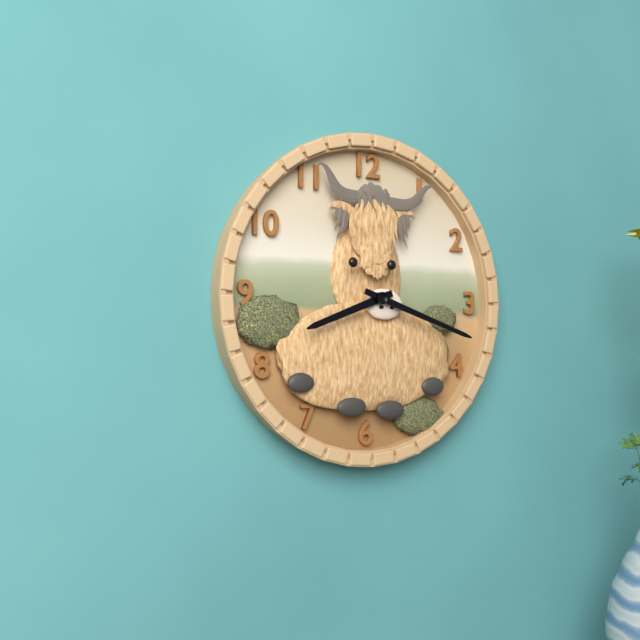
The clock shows 8:18
